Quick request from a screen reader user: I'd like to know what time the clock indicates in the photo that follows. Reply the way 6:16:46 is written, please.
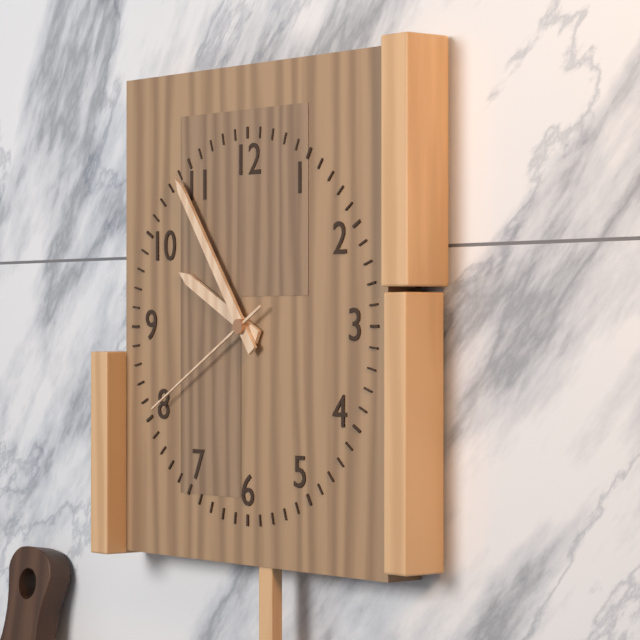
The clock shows 9:54:40
